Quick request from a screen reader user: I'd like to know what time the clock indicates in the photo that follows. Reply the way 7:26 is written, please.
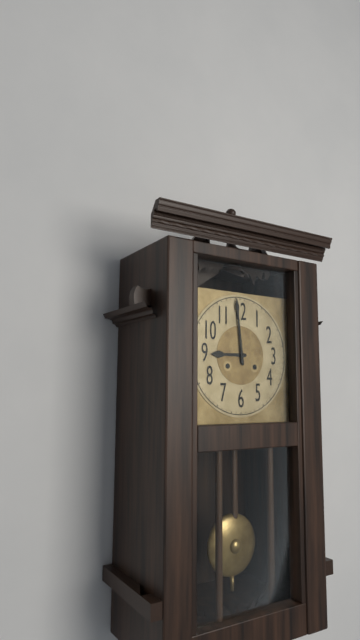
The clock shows 8:59
